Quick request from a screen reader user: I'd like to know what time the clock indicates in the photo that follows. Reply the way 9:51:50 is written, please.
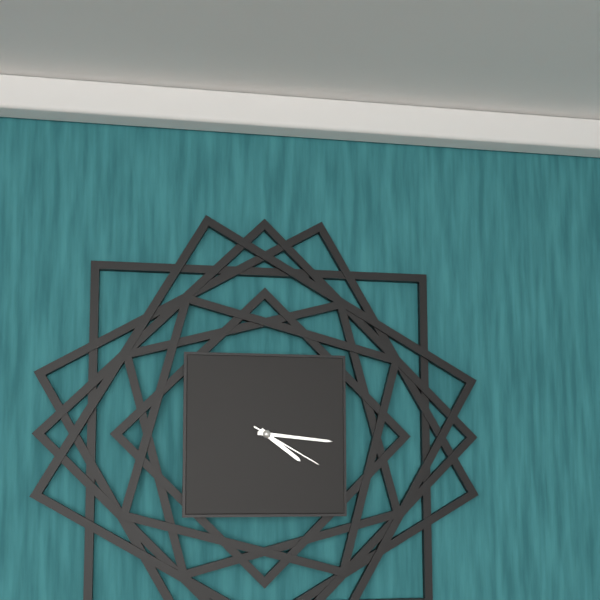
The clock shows 4:16:20
